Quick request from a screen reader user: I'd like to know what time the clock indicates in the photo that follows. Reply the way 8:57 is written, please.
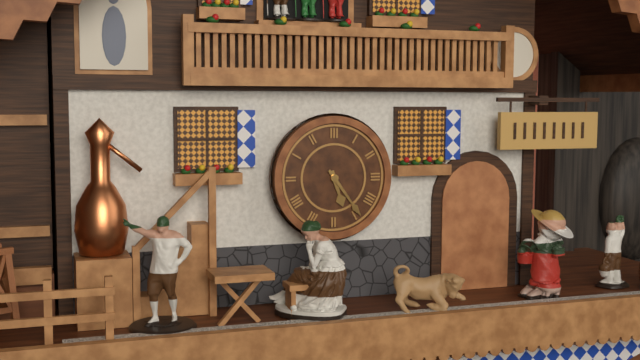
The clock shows 5:24
